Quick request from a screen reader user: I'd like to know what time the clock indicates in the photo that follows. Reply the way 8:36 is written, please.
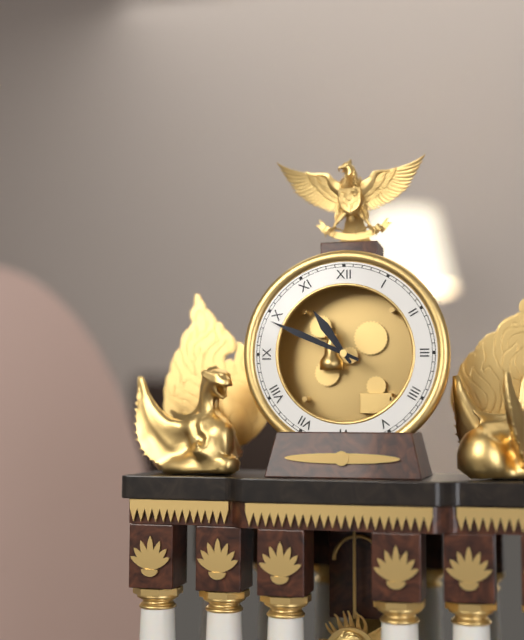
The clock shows 10:49
